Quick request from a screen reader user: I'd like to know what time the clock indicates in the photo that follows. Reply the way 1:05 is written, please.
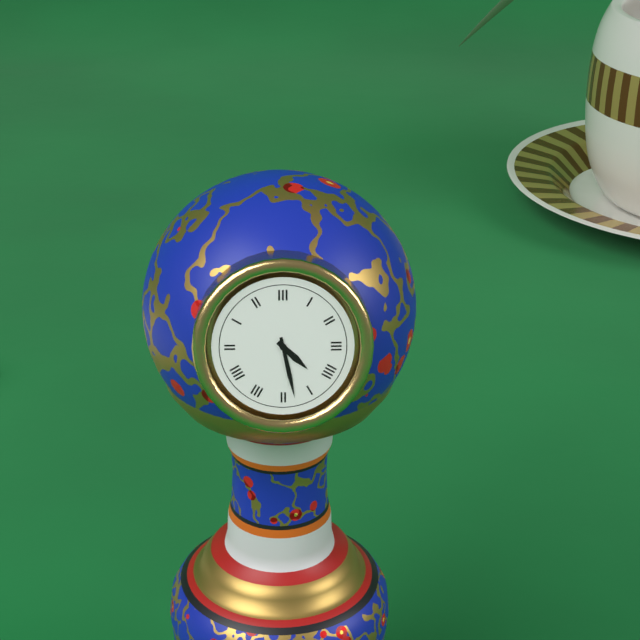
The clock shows 4:28
